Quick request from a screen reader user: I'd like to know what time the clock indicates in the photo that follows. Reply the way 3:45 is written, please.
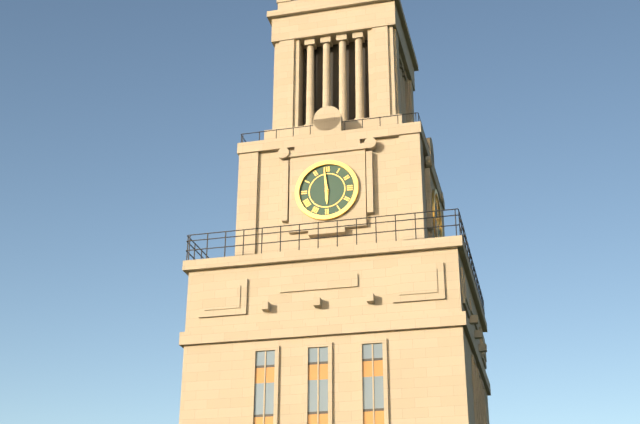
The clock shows 5:59
